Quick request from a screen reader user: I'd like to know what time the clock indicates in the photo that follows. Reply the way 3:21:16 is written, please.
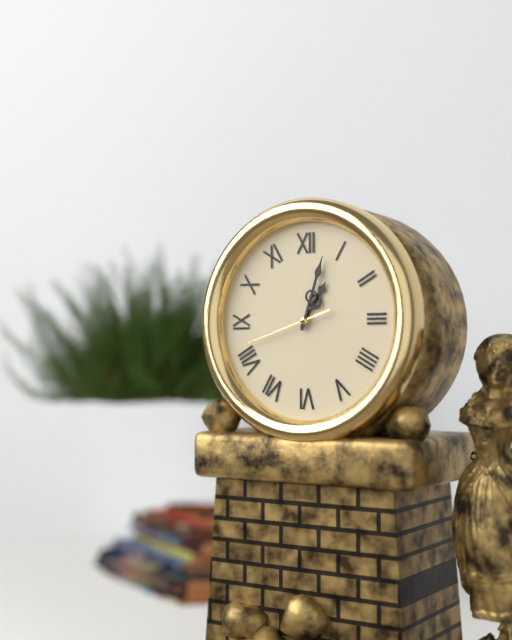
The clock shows 1:03:42
